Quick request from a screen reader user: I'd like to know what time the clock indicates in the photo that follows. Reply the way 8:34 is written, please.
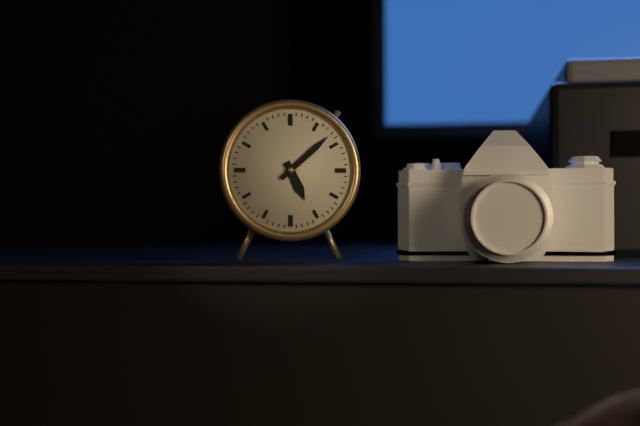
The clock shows 5:08
